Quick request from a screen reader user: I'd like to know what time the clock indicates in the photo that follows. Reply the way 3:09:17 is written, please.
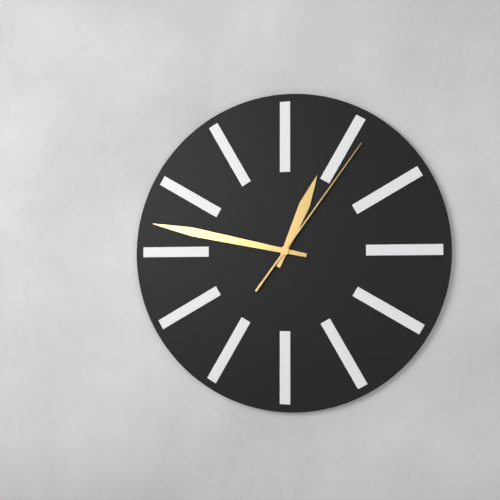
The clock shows 12:47:06
